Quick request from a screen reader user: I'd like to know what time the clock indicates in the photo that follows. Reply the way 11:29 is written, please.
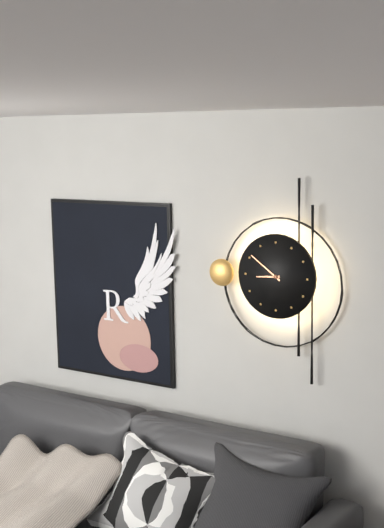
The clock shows 8:51
